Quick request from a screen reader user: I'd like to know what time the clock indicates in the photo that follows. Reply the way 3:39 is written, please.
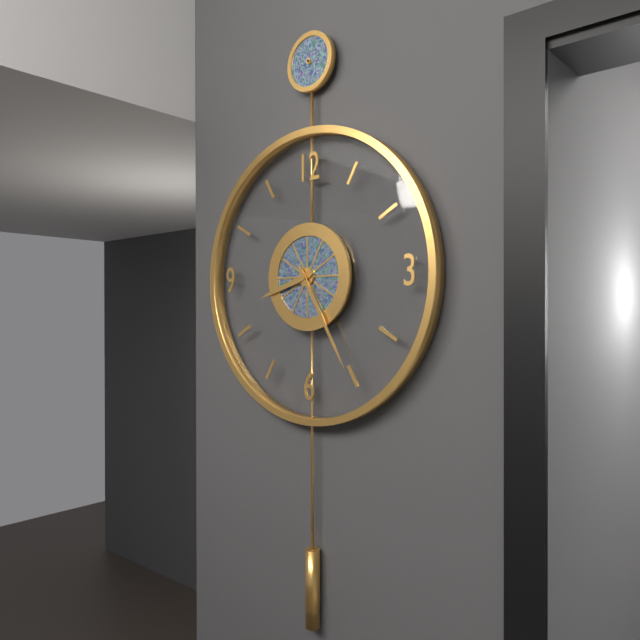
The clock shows 8:25
